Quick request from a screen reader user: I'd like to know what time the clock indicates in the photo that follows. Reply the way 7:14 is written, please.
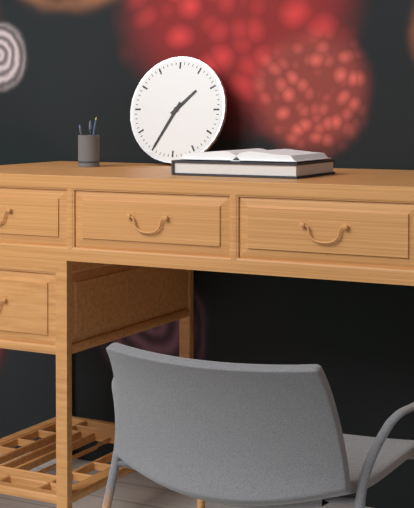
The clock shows 1:35
